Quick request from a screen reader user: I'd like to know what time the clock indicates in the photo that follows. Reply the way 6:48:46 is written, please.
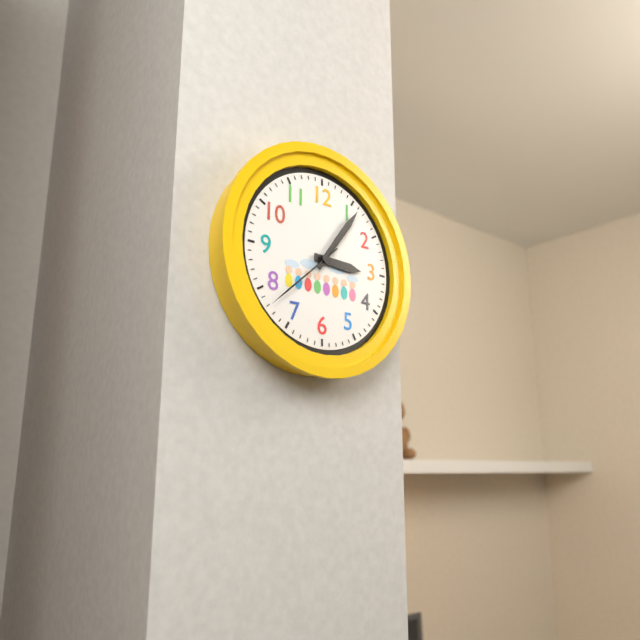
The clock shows 3:06:38
